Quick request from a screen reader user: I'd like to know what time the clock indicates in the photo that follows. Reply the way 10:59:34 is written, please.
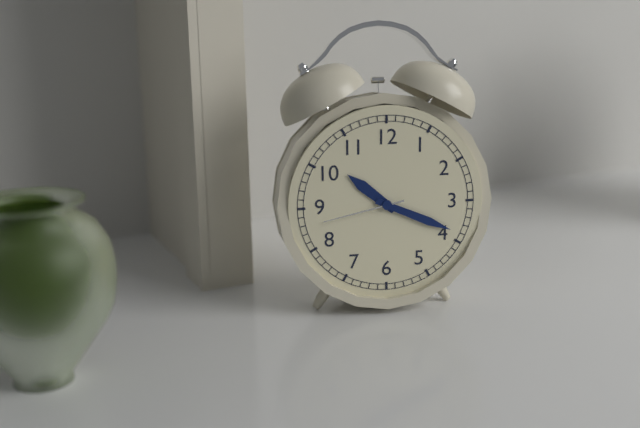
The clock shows 10:19:43
